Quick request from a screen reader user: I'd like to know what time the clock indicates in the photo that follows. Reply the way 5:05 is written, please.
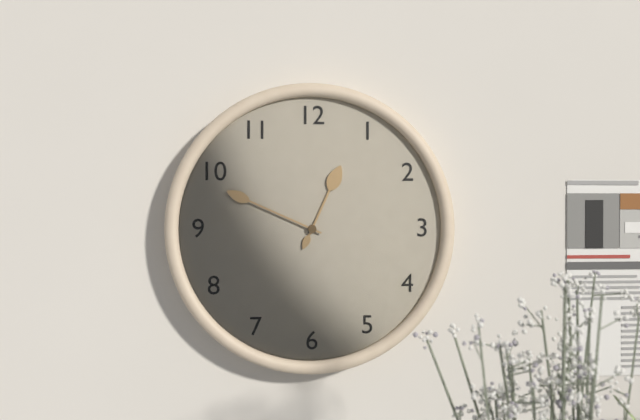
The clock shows 12:49
